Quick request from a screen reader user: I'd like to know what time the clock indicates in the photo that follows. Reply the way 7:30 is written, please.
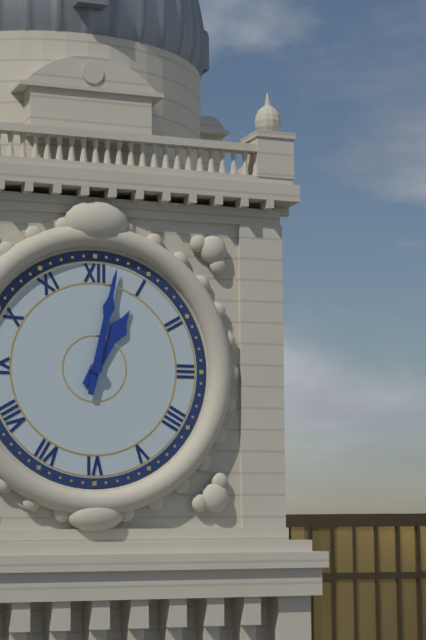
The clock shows 1:02
